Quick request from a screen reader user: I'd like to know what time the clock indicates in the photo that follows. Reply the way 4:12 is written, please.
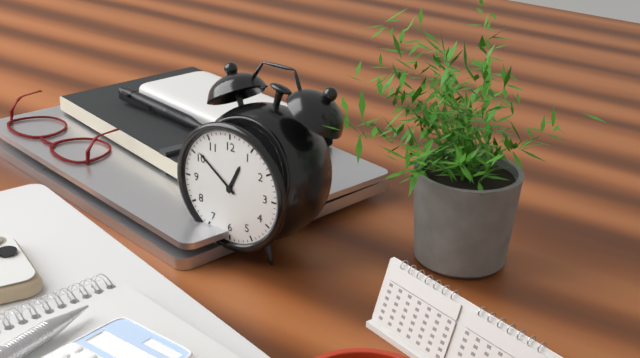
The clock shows 12:51
